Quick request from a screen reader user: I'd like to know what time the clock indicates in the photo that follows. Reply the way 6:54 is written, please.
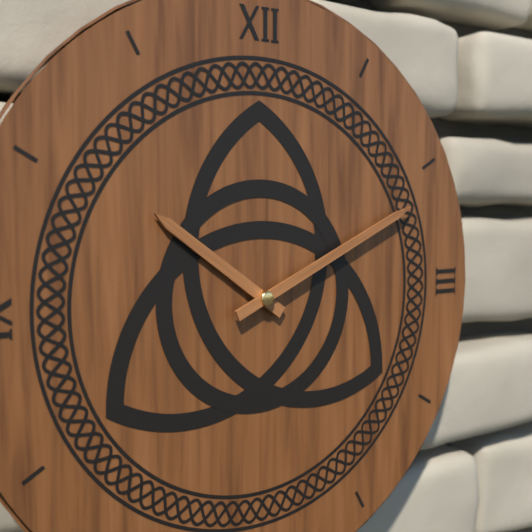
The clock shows 10:11
